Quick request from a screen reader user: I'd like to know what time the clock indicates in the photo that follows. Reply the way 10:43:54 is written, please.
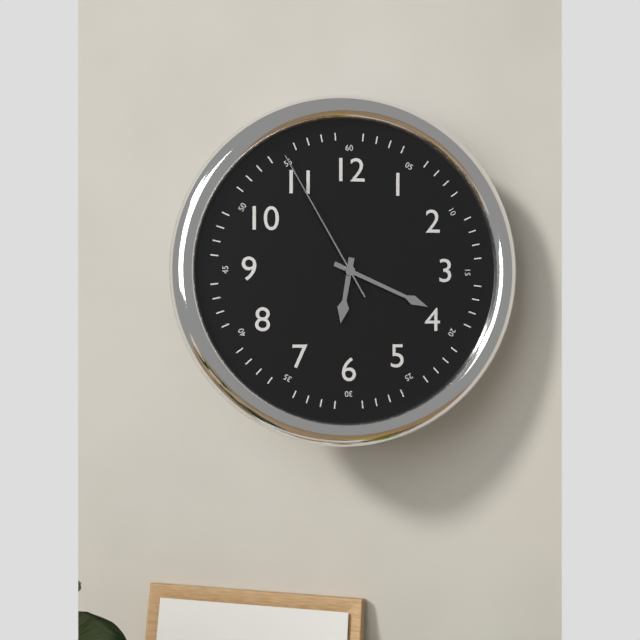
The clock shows 6:19:55
